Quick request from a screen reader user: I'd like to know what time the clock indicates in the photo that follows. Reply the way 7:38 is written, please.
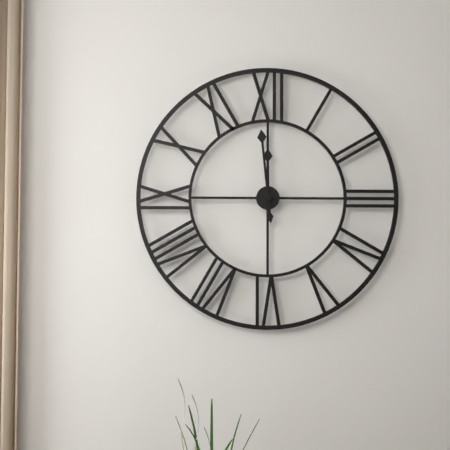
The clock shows 11:59
